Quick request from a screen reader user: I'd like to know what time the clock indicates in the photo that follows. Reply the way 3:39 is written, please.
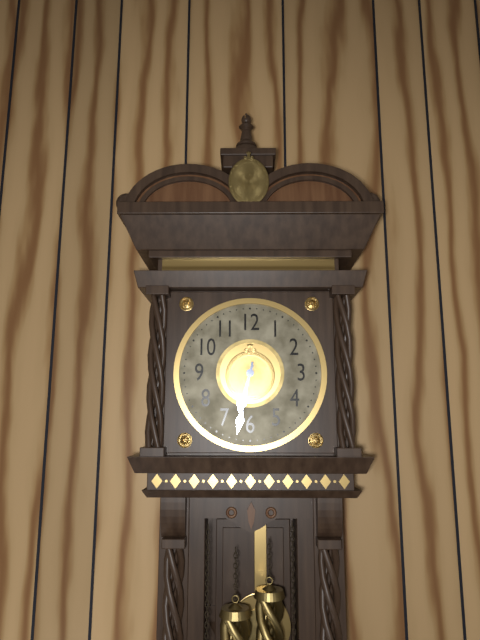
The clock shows 6:32
